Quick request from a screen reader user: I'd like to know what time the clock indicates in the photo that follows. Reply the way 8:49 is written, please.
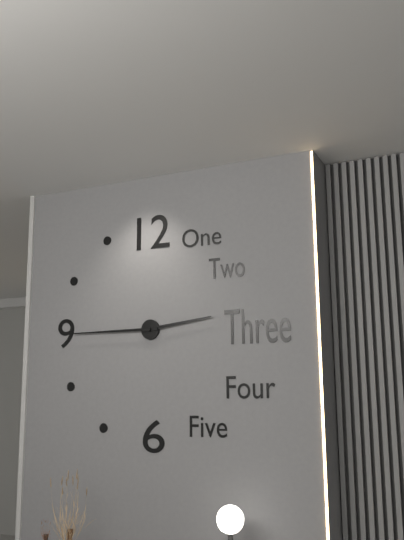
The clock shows 2:45
